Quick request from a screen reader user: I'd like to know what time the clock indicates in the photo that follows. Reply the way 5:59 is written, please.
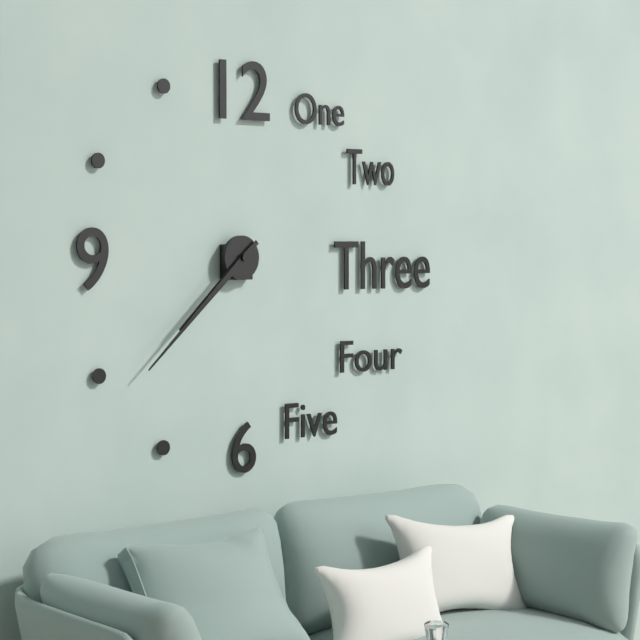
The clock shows 7:38
